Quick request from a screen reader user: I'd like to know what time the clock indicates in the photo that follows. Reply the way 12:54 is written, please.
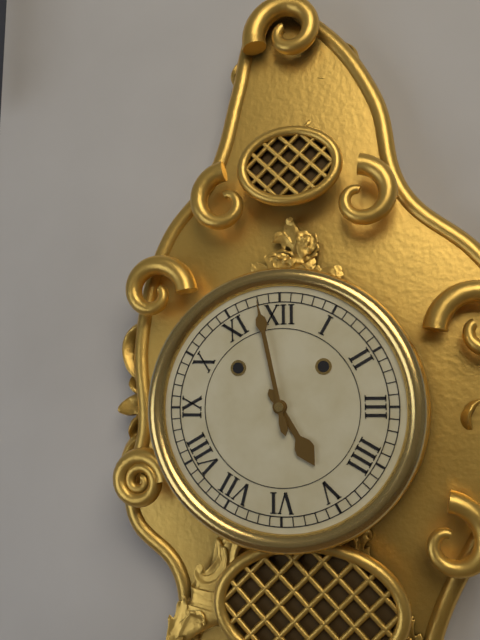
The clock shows 4:58
